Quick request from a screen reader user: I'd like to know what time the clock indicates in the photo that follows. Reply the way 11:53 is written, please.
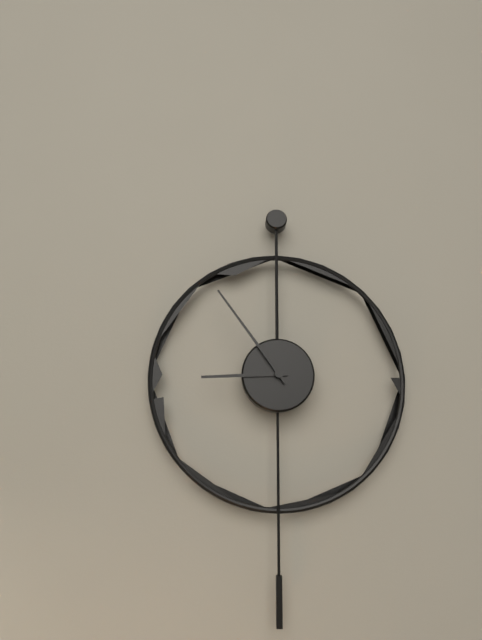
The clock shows 8:54
